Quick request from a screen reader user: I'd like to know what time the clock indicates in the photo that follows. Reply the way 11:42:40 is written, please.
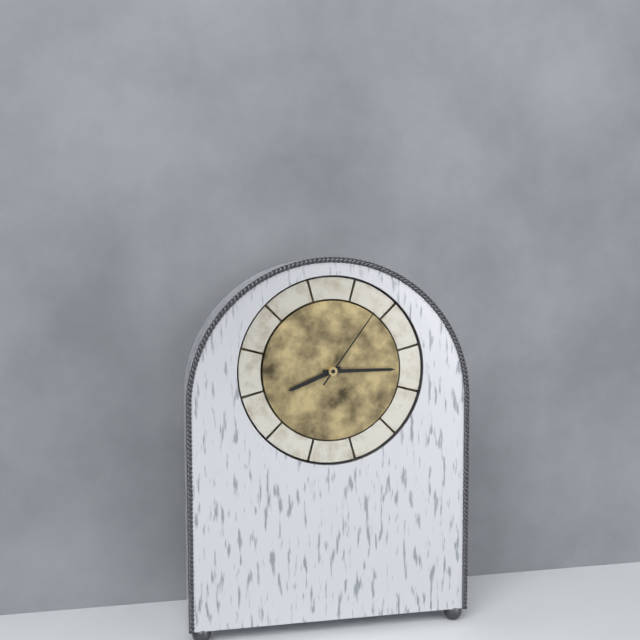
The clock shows 8:15:06
